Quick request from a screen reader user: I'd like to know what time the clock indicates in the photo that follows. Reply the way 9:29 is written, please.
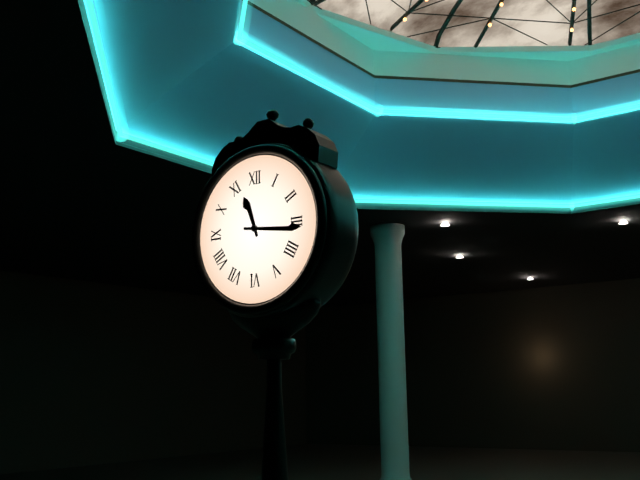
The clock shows 11:16
